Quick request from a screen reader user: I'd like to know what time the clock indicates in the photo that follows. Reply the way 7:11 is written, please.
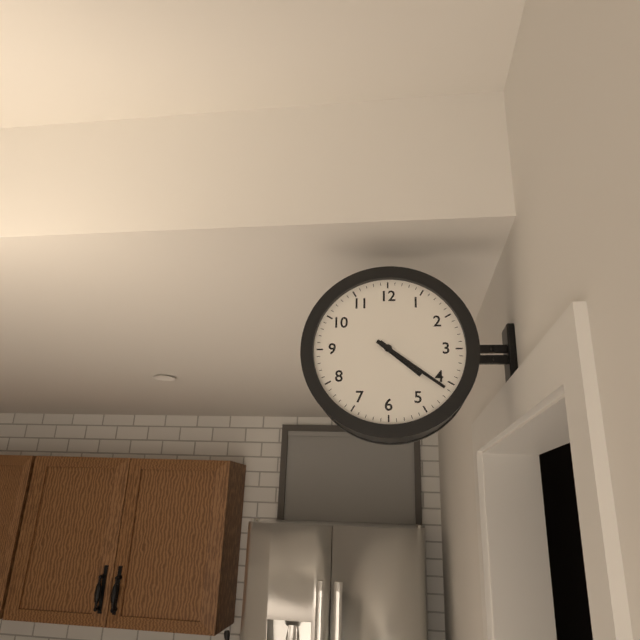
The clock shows 4:21
